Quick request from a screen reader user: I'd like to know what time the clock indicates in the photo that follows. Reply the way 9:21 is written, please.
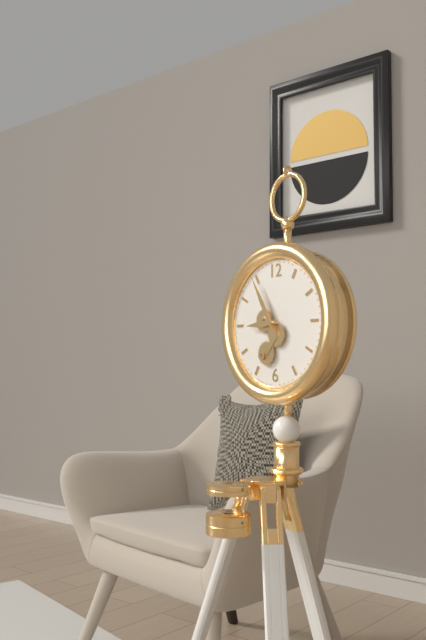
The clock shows 8:55
